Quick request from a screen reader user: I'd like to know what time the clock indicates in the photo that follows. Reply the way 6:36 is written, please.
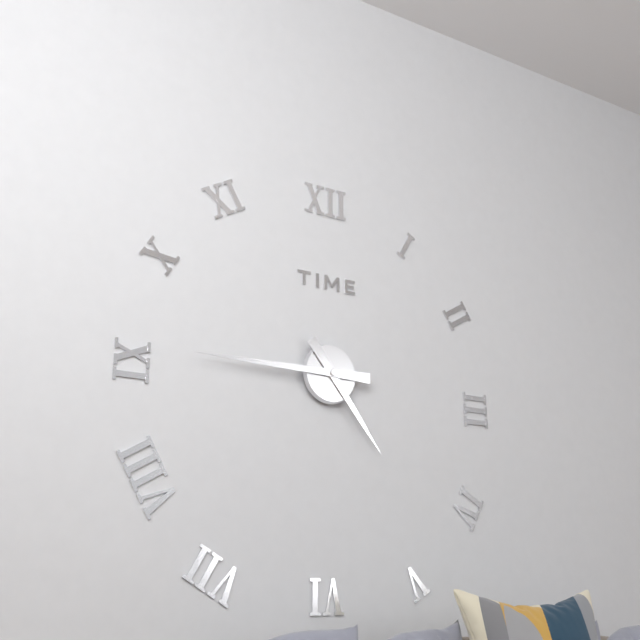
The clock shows 4:45
